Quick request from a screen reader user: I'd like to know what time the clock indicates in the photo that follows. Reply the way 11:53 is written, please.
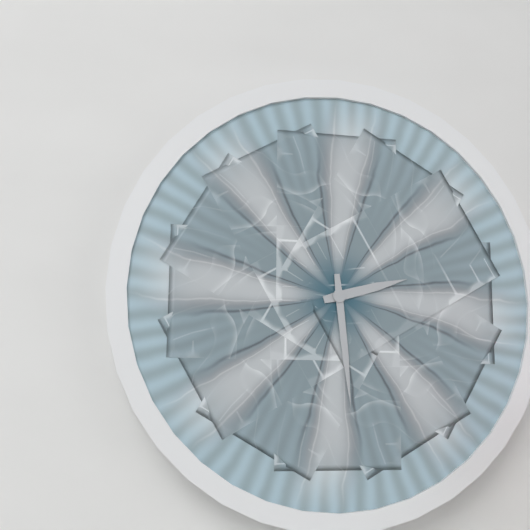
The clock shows 2:29
